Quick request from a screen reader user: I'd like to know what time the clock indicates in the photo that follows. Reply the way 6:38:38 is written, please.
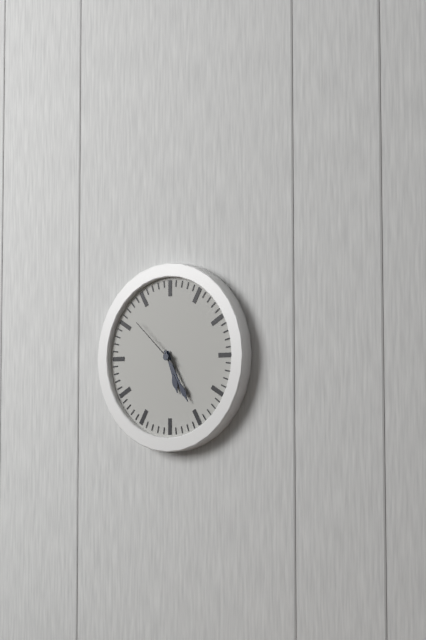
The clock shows 5:25:52
